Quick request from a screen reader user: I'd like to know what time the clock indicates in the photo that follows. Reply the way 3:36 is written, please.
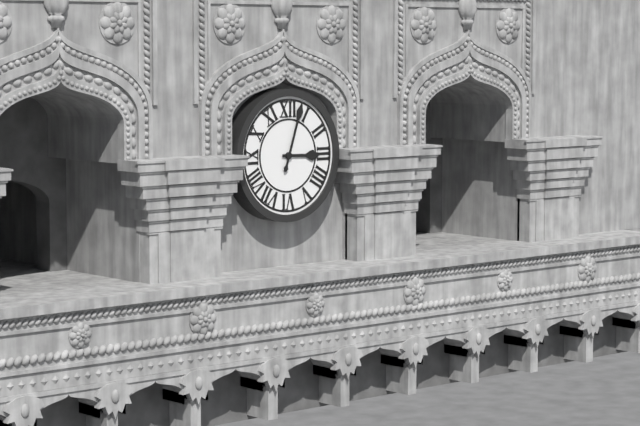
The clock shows 3:03
